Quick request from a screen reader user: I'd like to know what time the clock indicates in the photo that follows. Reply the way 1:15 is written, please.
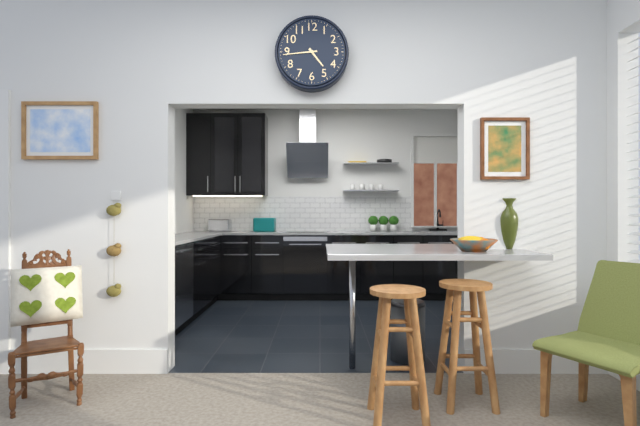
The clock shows 4:44
